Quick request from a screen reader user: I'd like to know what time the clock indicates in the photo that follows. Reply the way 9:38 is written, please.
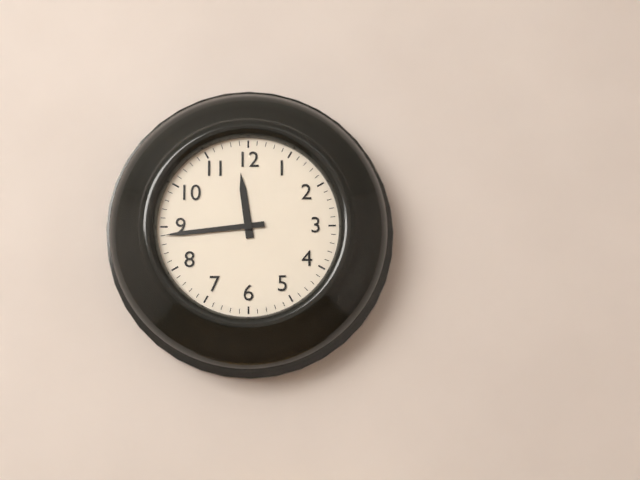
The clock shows 11:44
